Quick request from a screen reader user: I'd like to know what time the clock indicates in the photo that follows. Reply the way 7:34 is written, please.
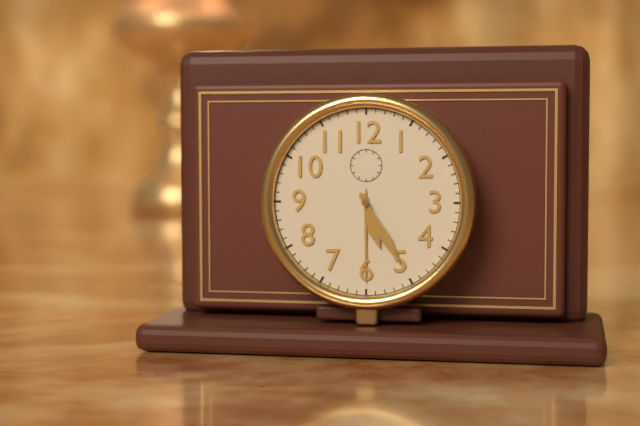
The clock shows 5:25
